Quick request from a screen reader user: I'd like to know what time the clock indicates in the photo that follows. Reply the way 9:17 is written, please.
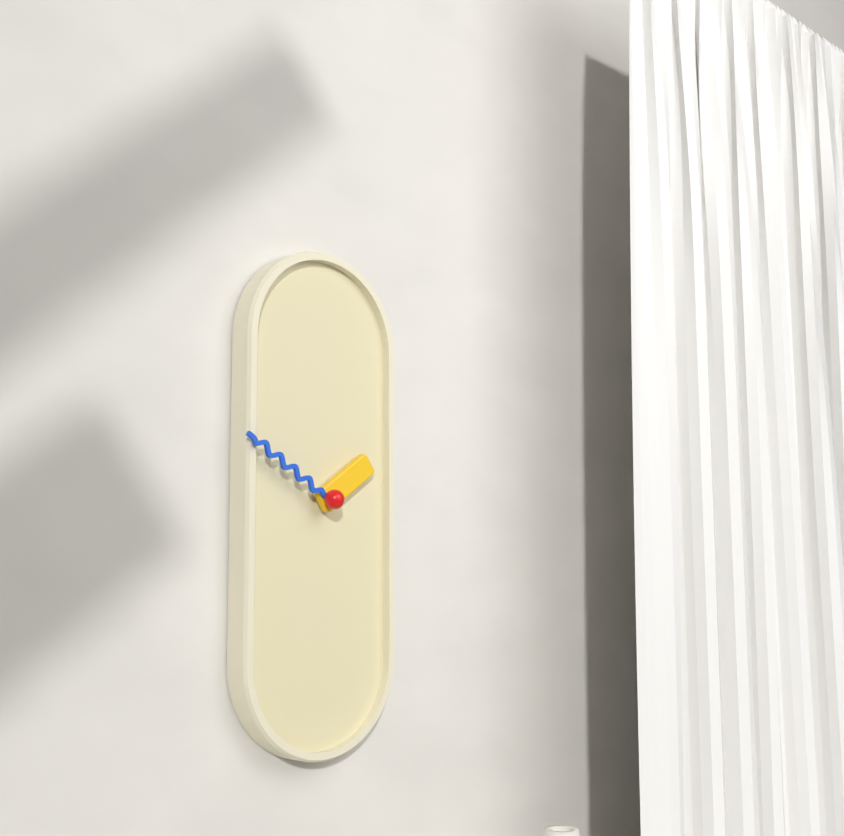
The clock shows 1:50
